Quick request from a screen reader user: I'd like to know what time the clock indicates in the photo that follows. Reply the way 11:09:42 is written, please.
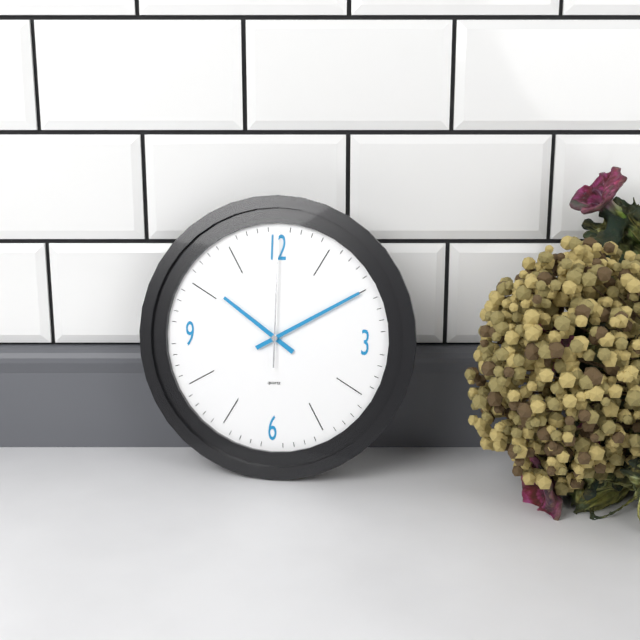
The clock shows 10:10:00
